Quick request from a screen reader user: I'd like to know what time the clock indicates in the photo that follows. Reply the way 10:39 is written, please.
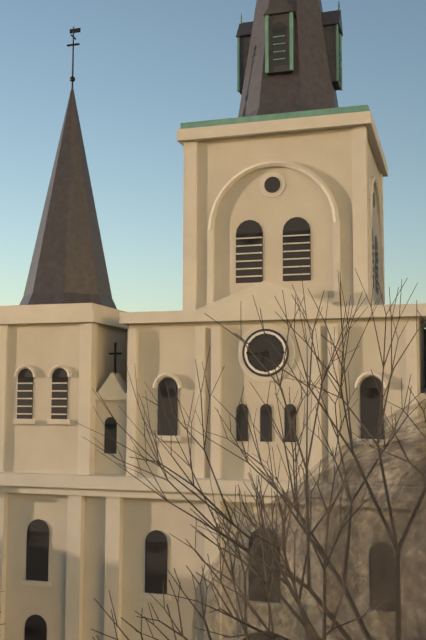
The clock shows 6:44
